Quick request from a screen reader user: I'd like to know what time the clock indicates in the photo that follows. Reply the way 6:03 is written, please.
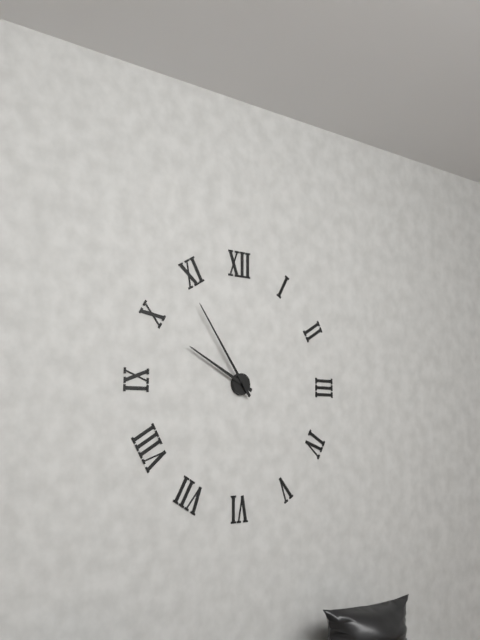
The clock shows 9:54
